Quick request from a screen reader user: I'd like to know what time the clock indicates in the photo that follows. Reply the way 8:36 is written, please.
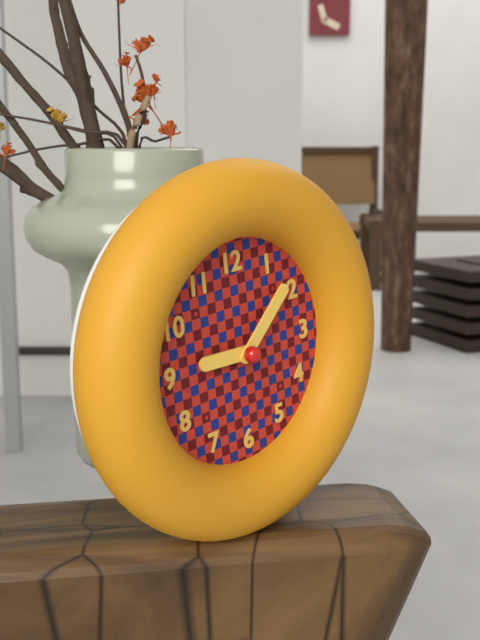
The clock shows 9:08
